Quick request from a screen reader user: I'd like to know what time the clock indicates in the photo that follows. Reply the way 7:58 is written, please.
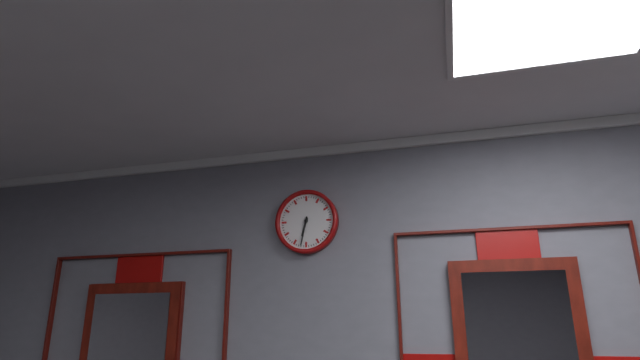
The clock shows 6:32
